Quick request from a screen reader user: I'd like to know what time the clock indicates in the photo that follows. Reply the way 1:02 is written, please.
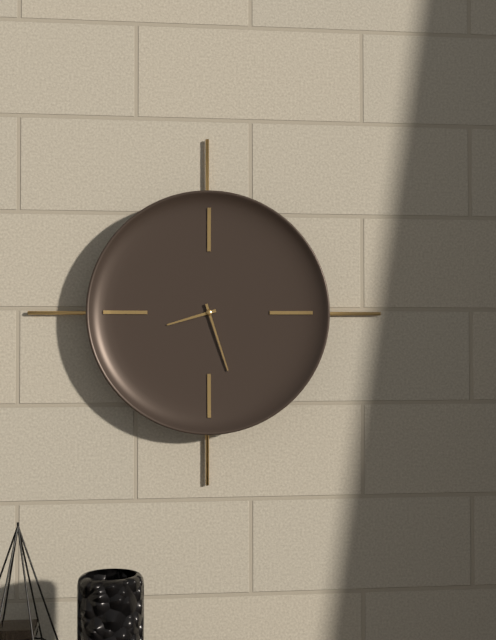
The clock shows 8:27
